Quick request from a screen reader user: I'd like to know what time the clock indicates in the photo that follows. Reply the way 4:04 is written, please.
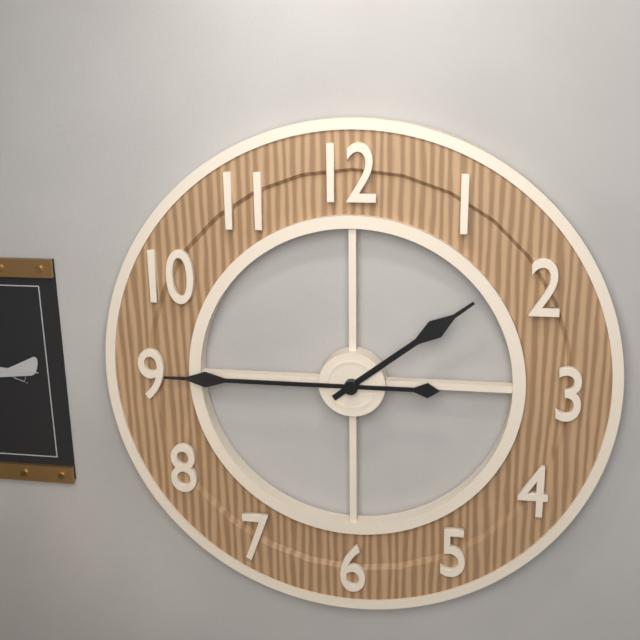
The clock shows 1:45
